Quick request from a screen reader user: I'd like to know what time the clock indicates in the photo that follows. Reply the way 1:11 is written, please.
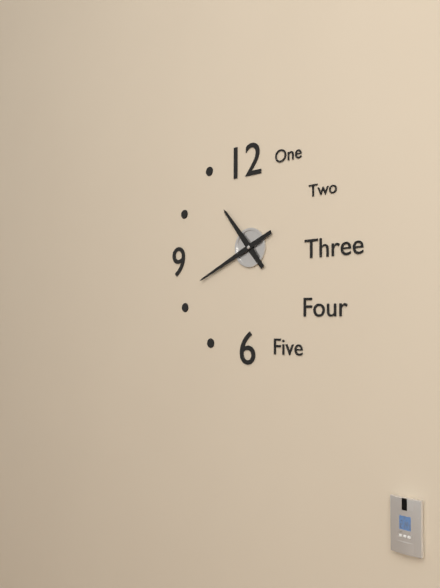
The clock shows 10:41
